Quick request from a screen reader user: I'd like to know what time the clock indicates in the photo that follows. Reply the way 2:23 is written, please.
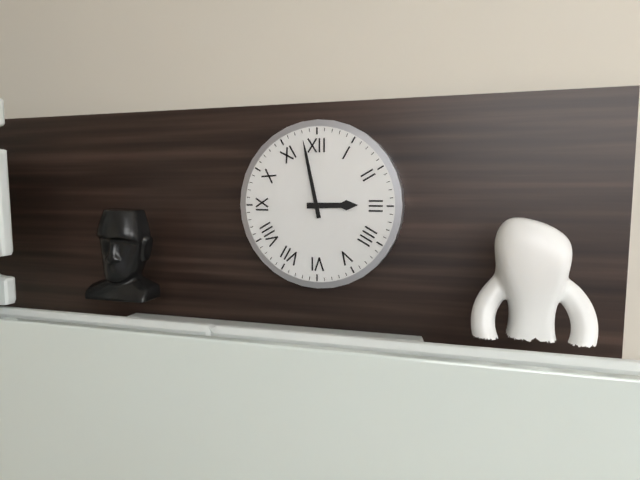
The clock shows 2:58
